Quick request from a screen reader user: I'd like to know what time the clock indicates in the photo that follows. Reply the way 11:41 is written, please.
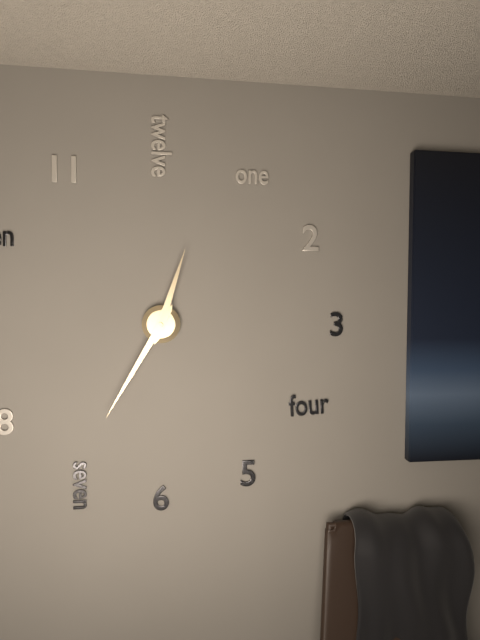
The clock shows 12:35
